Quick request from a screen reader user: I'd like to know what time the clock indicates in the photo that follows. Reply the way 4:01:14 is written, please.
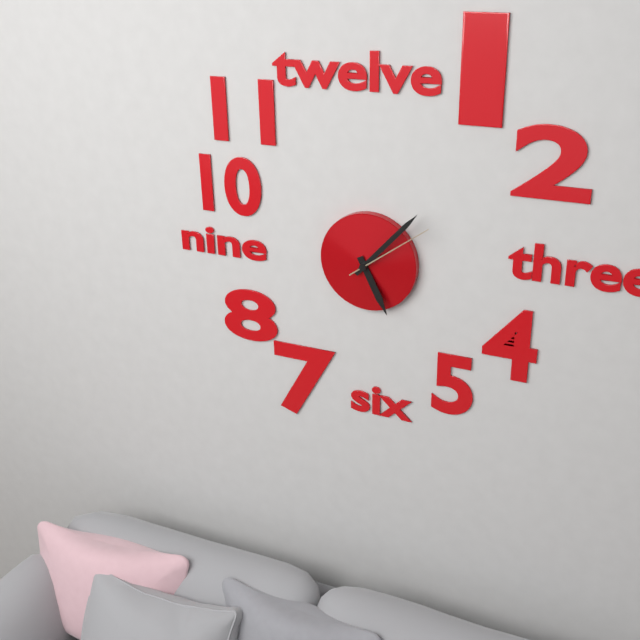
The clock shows 5:07:09
